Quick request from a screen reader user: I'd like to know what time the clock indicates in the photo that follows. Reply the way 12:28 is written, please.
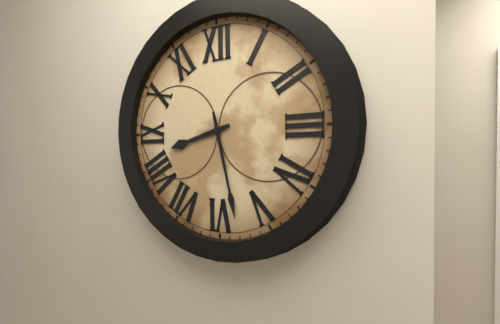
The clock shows 8:28
